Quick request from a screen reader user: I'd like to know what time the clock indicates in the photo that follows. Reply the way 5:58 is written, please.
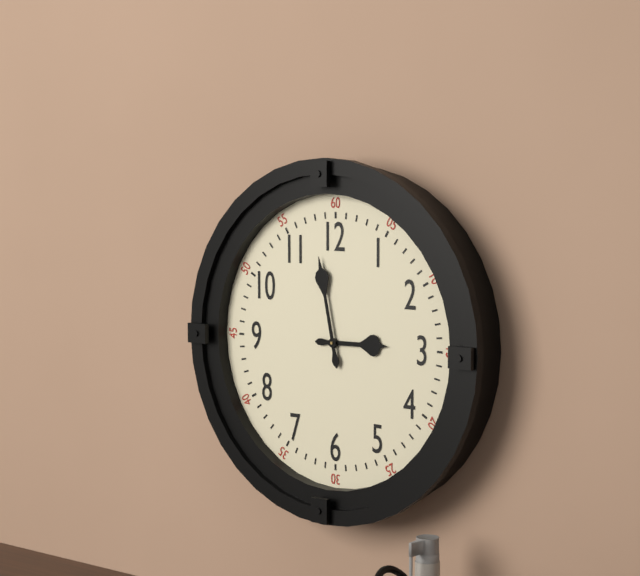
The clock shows 2:58
